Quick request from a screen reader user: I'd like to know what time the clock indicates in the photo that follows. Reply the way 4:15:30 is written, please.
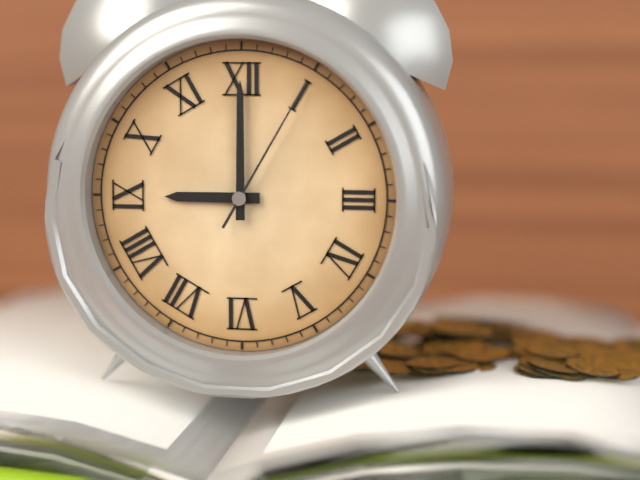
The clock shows 9:00:05
